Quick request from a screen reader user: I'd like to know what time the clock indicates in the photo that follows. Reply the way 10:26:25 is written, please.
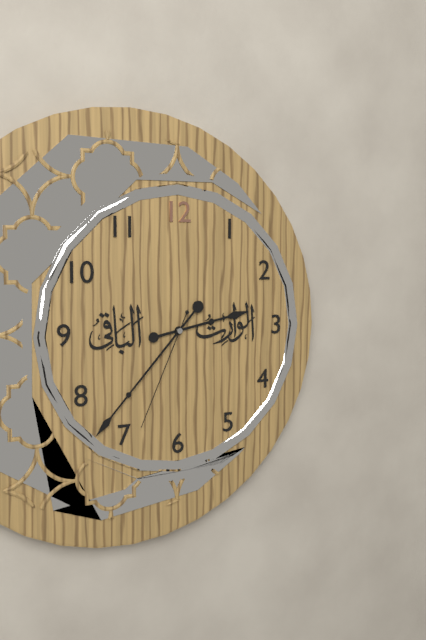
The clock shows 2:37:34
